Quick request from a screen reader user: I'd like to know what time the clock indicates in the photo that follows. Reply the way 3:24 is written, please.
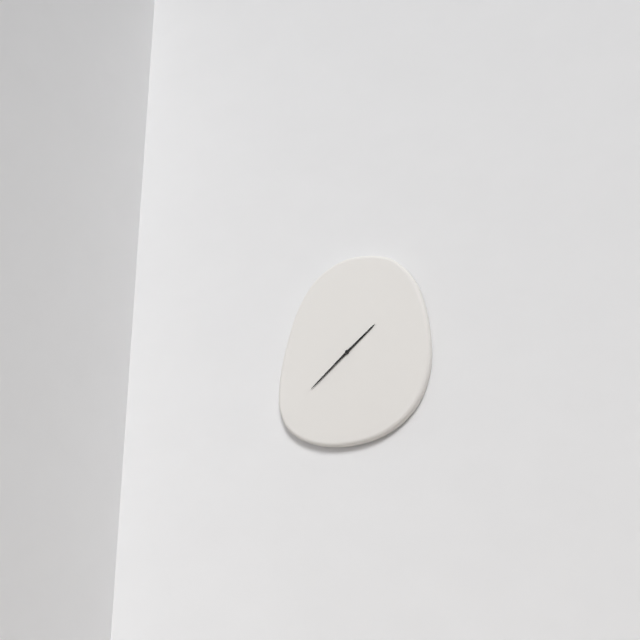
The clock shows 1:38
